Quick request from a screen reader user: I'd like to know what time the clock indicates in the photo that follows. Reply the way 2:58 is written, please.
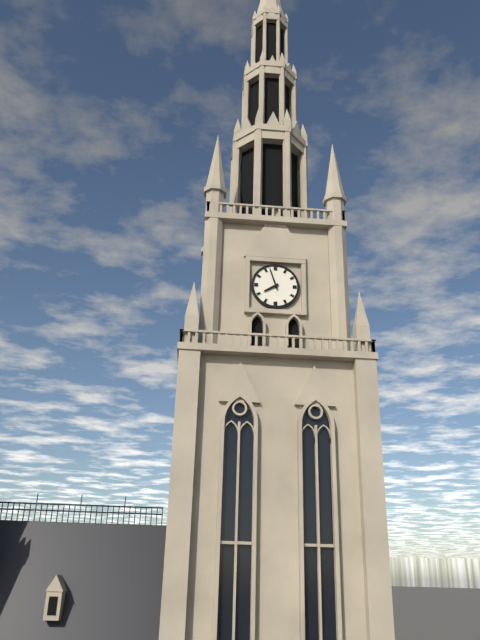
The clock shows 7:57
